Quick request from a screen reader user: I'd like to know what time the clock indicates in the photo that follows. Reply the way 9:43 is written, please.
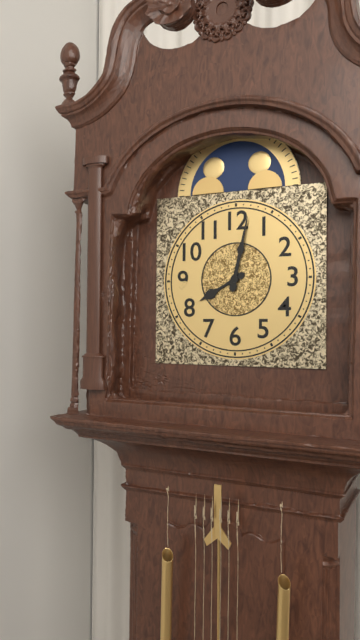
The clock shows 8:02
